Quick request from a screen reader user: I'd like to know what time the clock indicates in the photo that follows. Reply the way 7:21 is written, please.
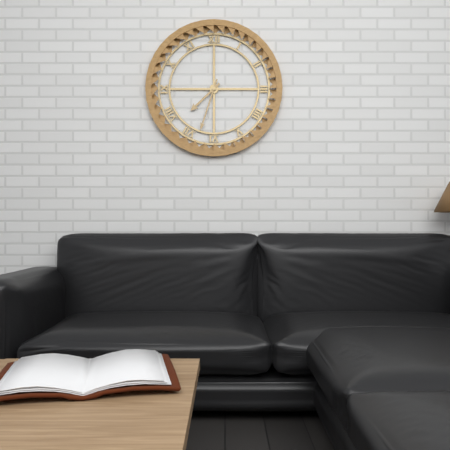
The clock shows 7:33
